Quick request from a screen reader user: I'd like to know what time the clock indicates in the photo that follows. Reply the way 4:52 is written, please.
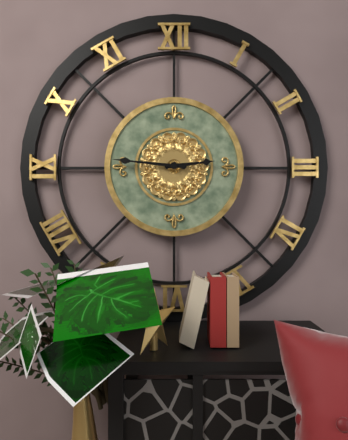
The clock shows 2:46
